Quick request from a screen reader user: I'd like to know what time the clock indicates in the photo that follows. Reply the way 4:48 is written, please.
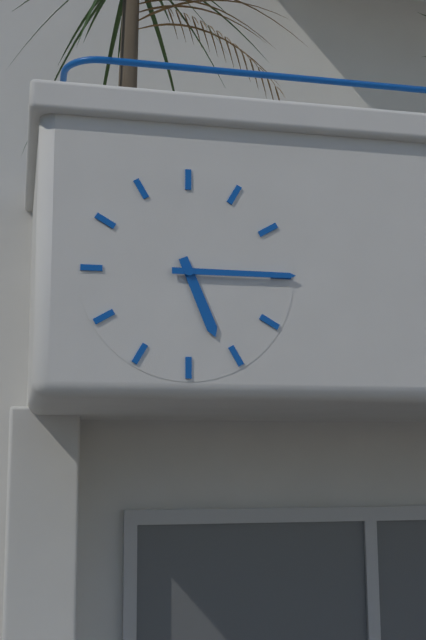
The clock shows 5:15
